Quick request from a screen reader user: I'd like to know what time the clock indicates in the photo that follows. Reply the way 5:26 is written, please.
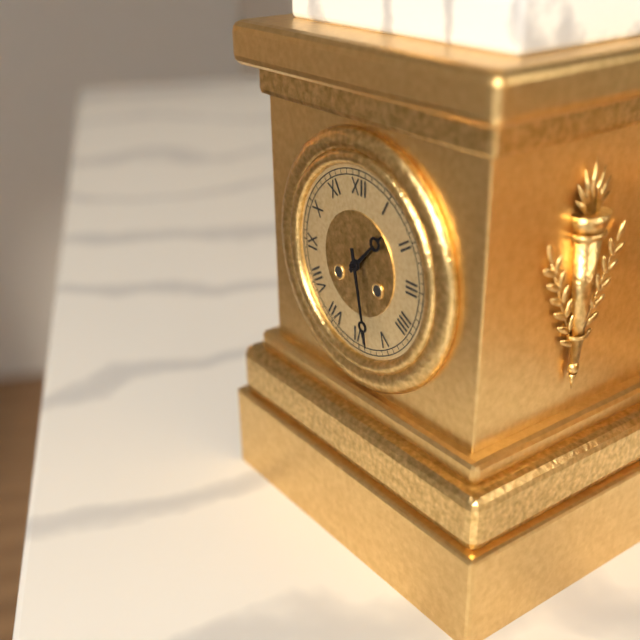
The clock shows 1:28
